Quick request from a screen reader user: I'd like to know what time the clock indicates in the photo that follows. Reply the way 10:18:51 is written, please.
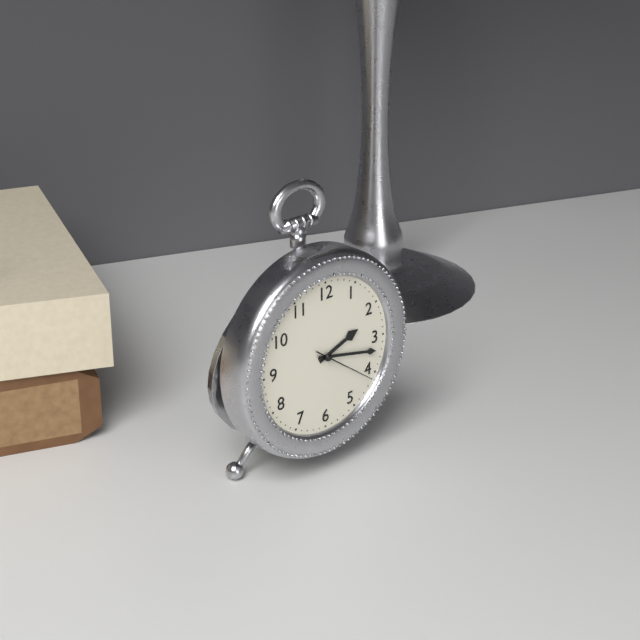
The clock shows 2:17:21
